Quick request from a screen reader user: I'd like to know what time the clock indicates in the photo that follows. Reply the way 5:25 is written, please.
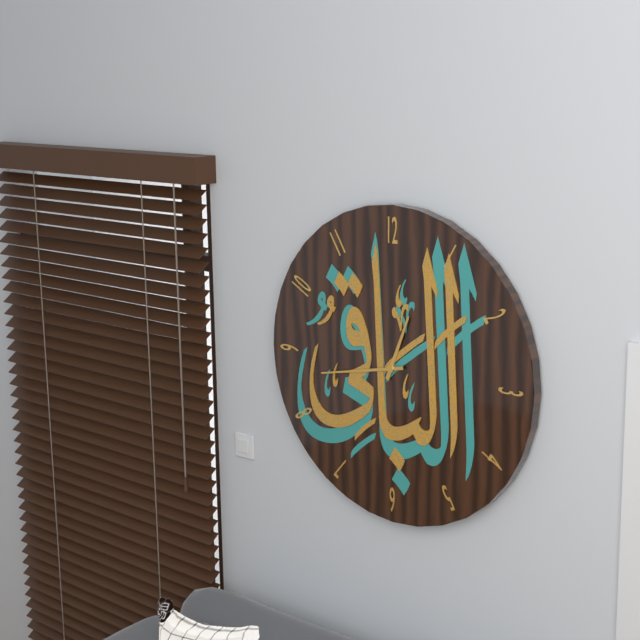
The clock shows 12:43
